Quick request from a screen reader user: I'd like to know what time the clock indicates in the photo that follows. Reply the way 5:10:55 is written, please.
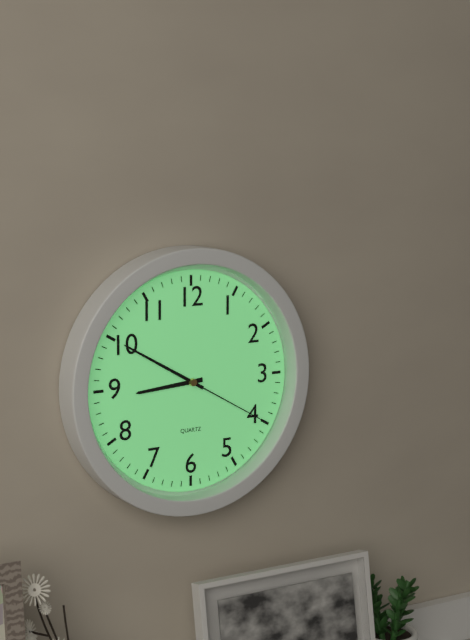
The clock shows 8:50:20
